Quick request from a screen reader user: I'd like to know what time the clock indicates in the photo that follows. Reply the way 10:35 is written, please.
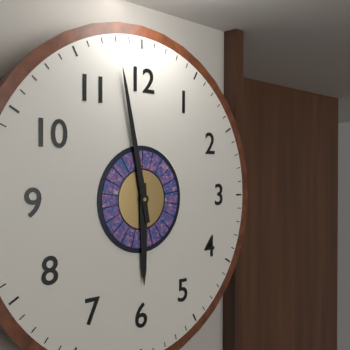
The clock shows 5:58
